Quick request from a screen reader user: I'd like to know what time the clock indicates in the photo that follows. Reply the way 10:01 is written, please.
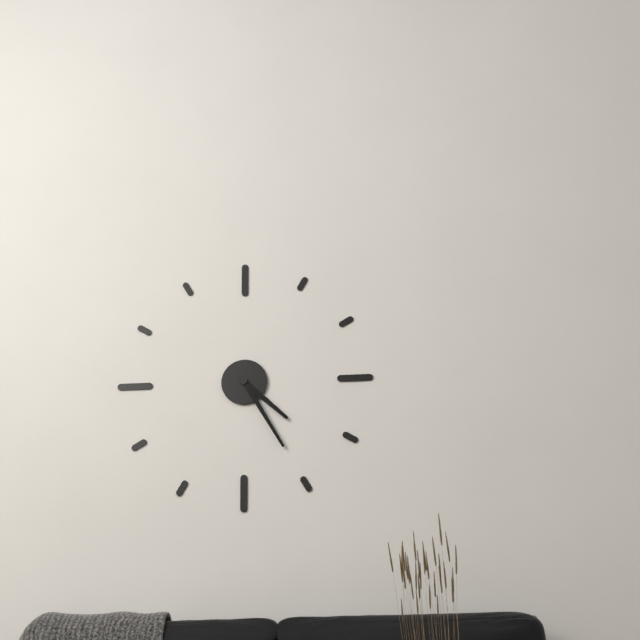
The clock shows 4:25
